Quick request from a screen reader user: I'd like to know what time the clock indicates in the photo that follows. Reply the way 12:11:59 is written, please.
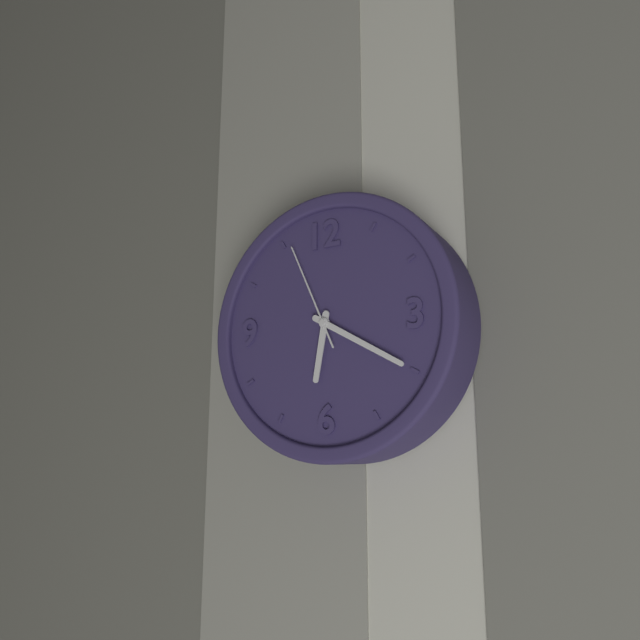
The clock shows 6:20:56
